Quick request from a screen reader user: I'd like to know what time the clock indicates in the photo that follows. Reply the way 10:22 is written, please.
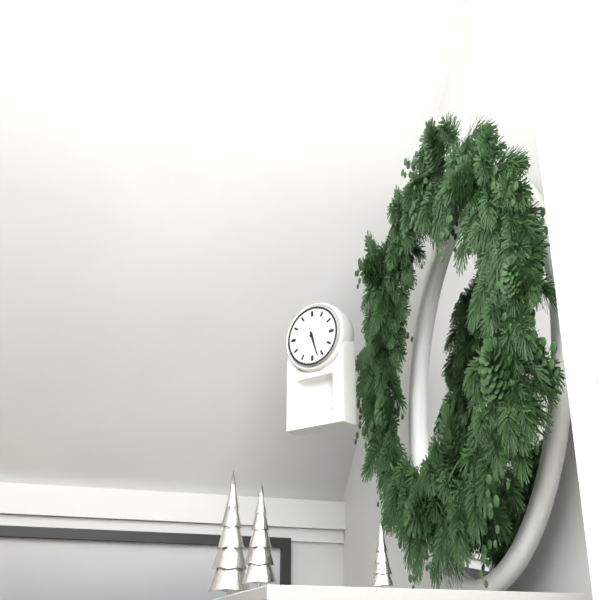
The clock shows 5:27
